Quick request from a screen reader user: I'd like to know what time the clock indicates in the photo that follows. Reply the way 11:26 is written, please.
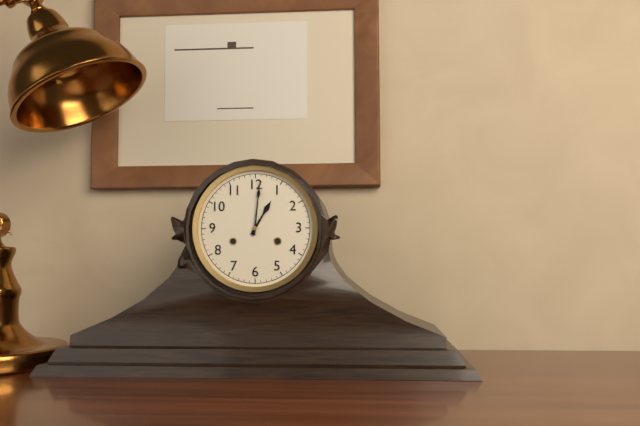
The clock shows 1:01
